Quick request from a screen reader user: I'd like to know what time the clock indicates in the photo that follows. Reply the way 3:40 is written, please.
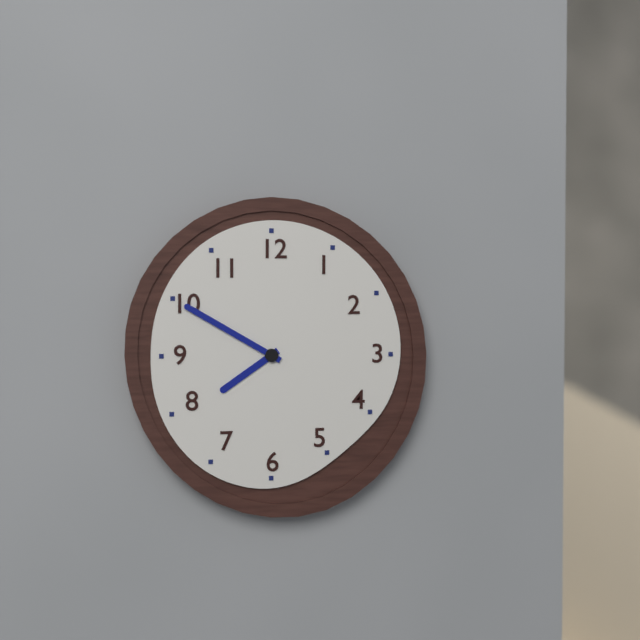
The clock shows 7:50
